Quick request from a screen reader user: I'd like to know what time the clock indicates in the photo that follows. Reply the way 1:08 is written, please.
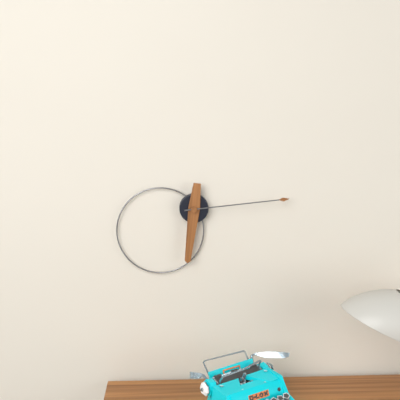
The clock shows 6:14
